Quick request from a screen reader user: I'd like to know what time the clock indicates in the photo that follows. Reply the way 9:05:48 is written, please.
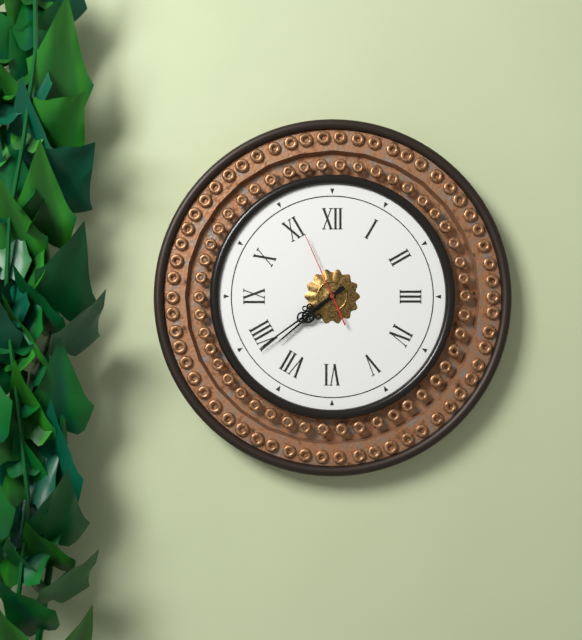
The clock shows 7:39:56
